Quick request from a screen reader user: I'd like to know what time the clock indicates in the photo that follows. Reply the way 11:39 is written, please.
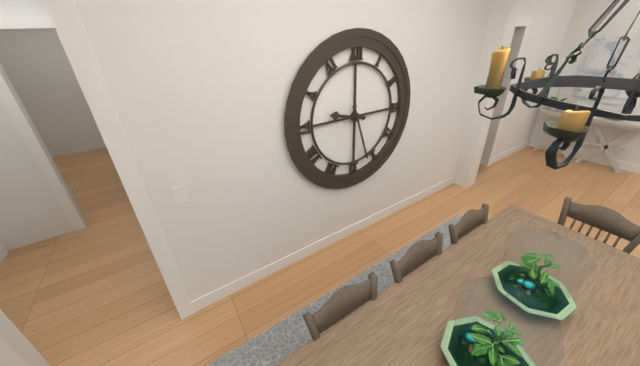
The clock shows 9:27
